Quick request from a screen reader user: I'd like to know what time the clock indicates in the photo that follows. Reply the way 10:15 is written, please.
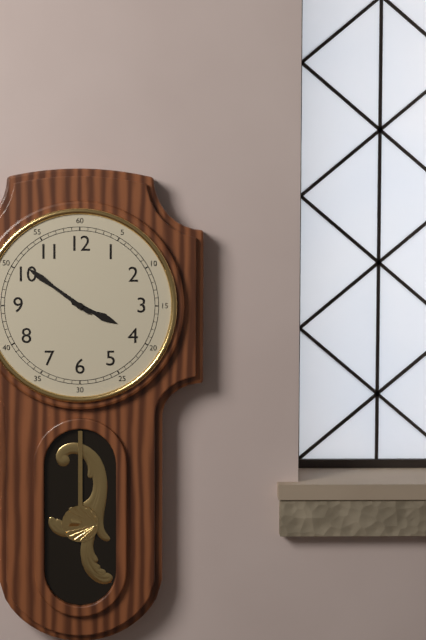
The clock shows 3:51
